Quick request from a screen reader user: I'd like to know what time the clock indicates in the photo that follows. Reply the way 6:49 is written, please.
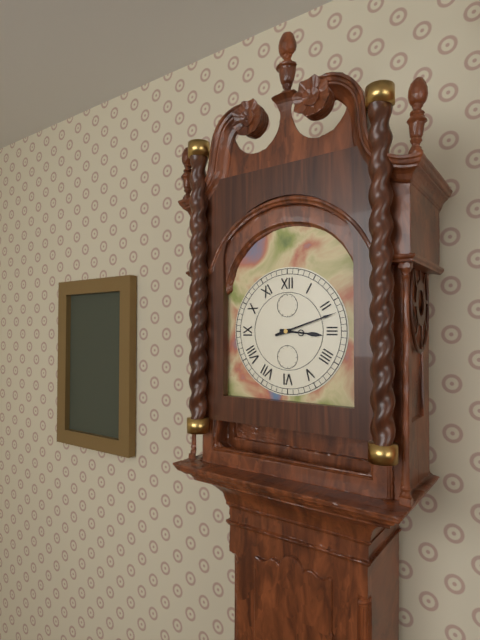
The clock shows 3:12
